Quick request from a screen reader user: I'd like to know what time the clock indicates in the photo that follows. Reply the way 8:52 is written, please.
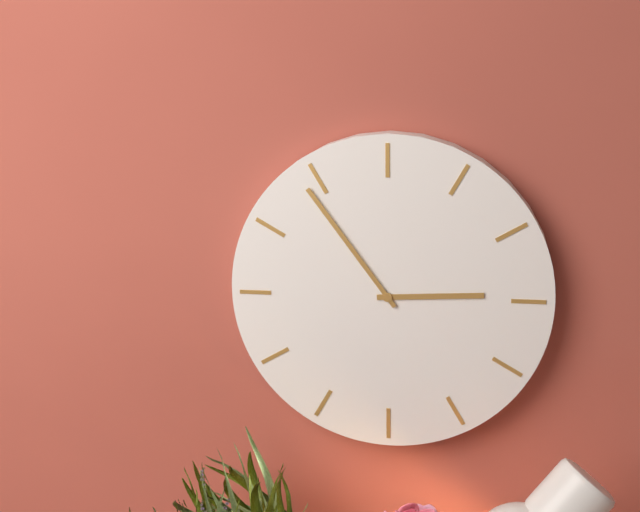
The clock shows 2:54
